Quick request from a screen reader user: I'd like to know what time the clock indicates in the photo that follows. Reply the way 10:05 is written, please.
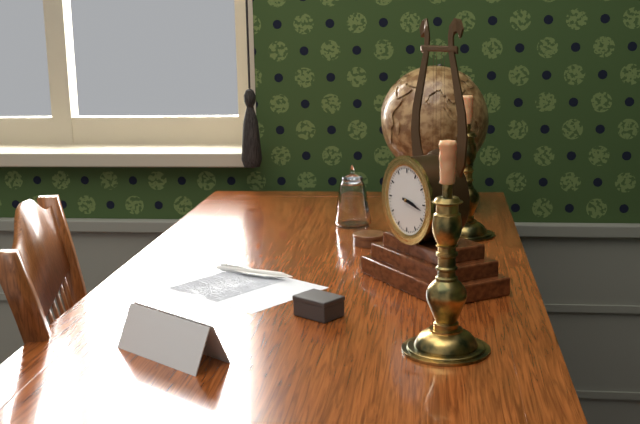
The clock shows 3:17
